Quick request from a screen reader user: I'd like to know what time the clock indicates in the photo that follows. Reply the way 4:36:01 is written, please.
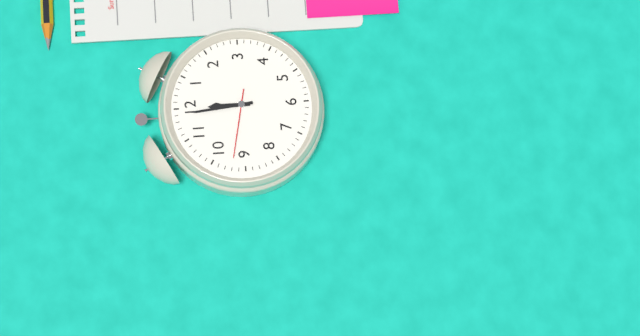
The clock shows 11:59:47
